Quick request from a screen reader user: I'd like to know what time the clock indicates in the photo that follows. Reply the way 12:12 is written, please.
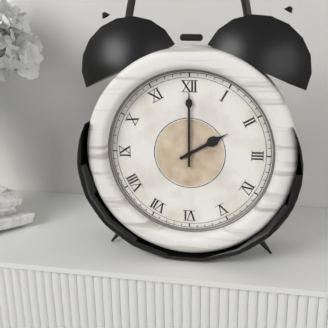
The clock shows 2:00
